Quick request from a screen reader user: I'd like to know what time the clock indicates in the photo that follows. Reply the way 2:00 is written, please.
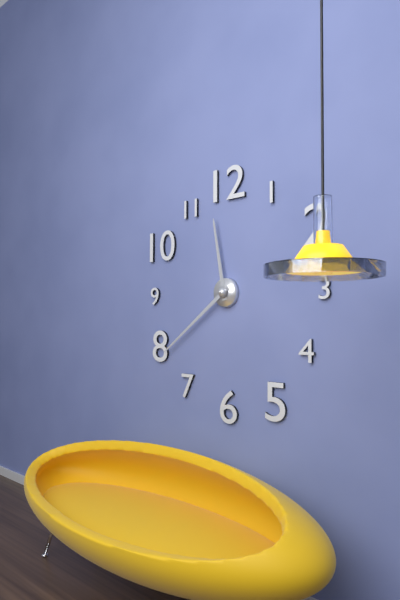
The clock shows 11:39
